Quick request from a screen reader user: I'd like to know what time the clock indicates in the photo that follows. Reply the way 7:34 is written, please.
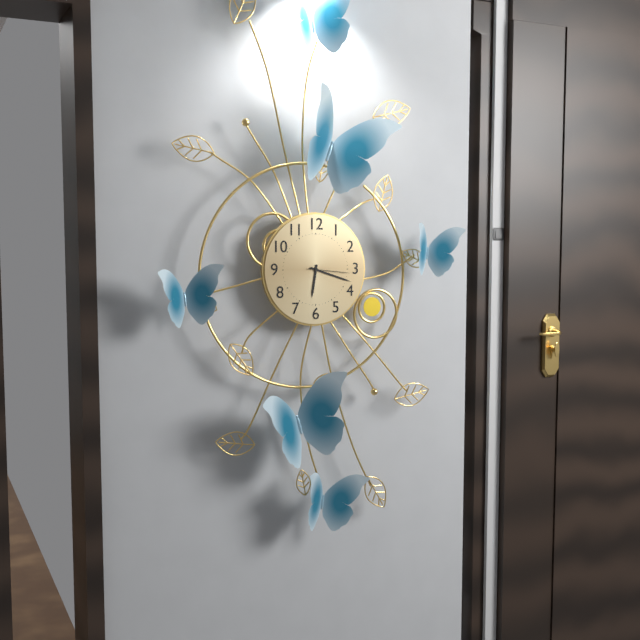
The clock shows 6:18
